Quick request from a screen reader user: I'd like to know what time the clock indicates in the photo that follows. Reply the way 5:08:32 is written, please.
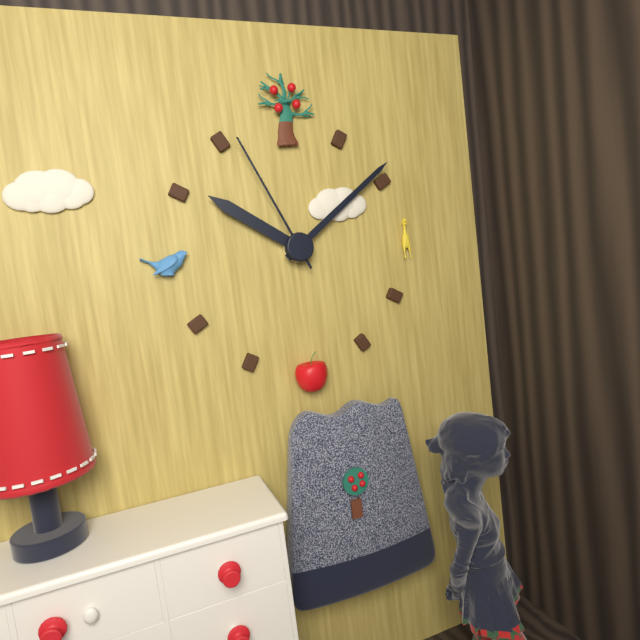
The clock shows 10:09:56
